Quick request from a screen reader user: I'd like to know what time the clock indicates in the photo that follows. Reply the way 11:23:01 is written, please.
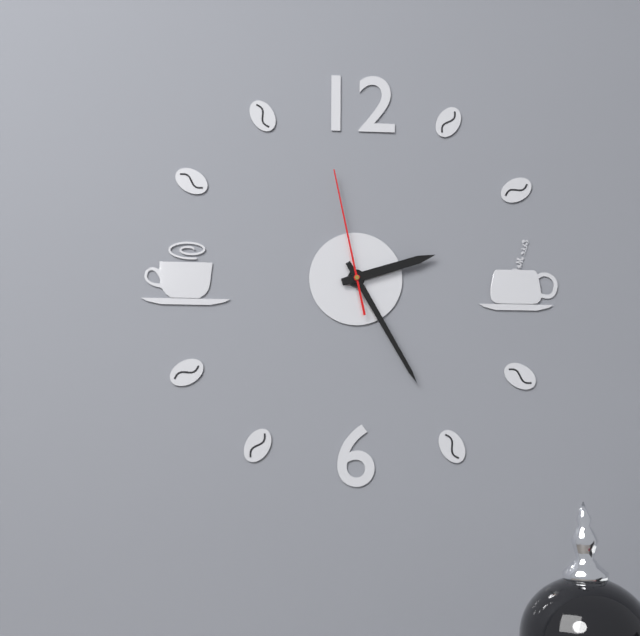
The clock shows 2:25:58
